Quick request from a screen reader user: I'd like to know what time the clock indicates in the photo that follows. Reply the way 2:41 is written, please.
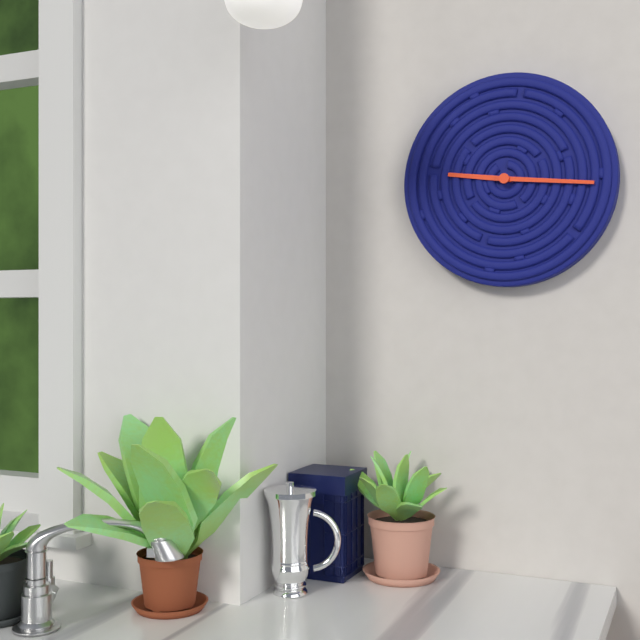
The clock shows 9:16
